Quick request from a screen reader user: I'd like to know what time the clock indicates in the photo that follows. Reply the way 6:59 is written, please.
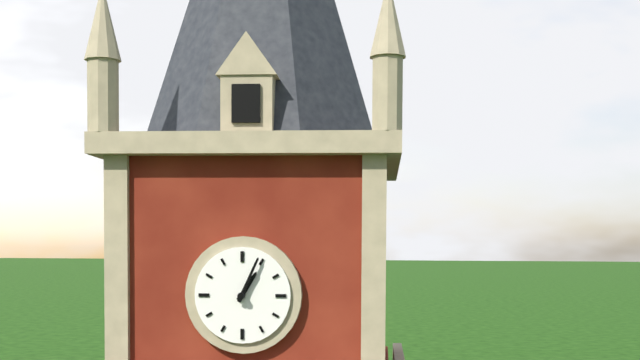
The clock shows 1:04
